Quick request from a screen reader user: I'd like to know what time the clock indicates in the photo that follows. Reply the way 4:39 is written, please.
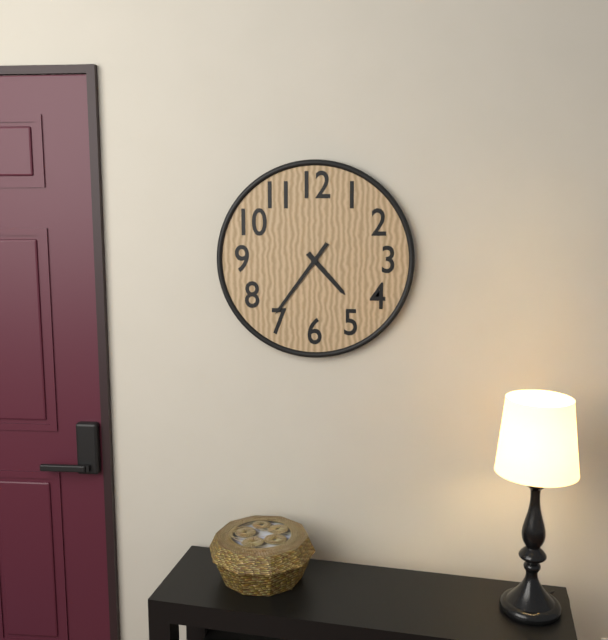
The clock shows 4:36
